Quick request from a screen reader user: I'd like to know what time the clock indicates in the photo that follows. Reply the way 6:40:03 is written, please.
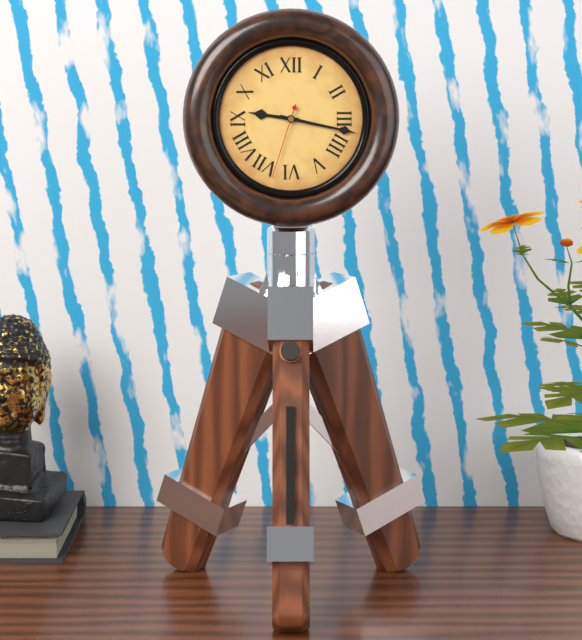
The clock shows 9:17:33
